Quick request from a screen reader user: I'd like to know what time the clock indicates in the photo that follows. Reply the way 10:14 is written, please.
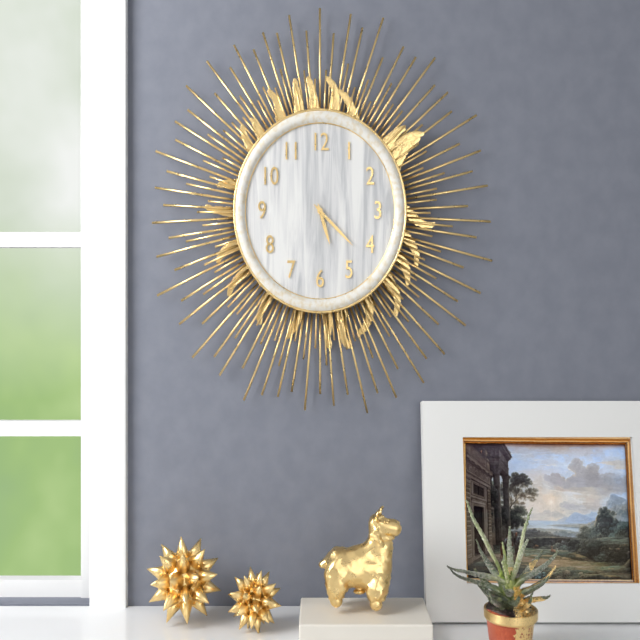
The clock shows 5:22
